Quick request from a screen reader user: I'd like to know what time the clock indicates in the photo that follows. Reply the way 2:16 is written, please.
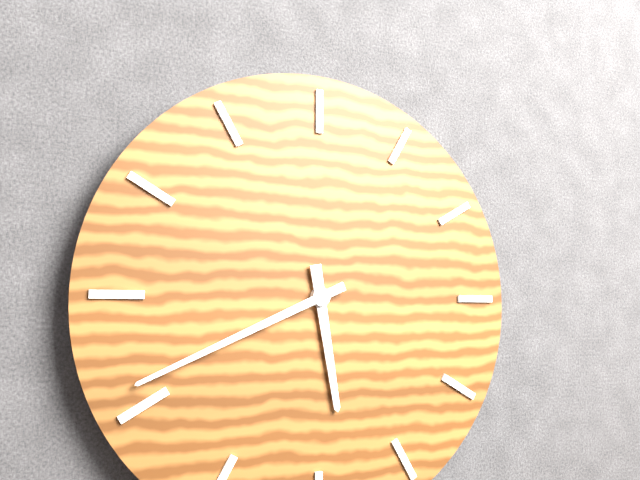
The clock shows 5:41
